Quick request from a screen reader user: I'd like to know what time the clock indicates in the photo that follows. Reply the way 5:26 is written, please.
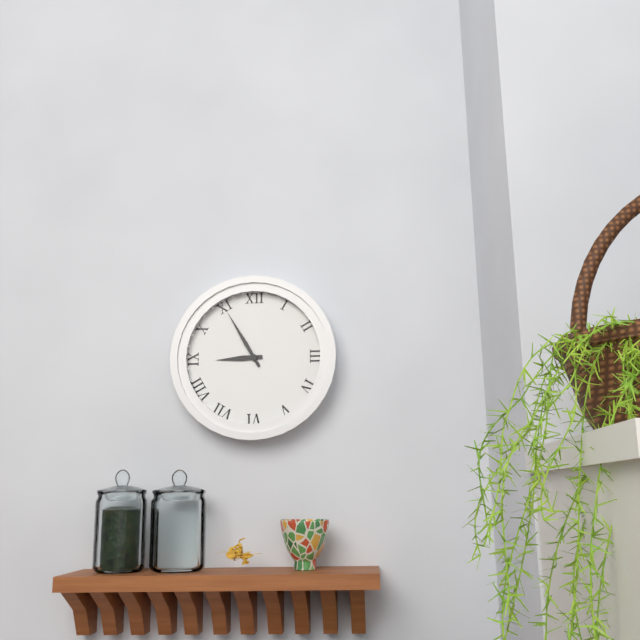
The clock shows 8:55
